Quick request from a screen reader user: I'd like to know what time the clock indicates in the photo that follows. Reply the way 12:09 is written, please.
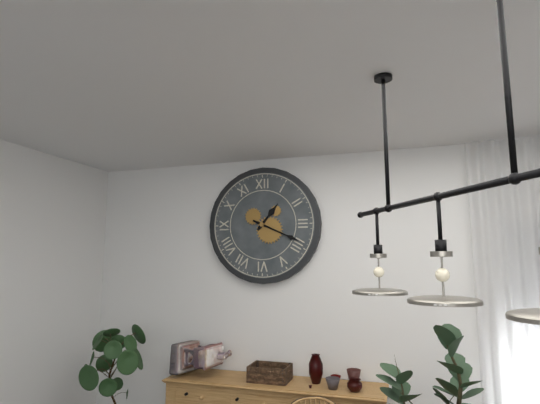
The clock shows 1:19
